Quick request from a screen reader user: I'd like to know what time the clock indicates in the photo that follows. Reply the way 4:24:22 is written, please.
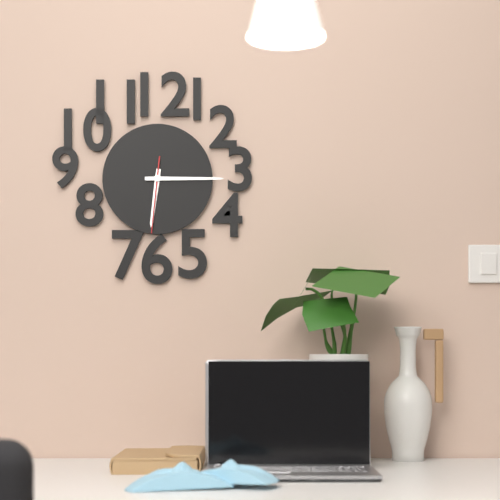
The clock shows 6:15:31
